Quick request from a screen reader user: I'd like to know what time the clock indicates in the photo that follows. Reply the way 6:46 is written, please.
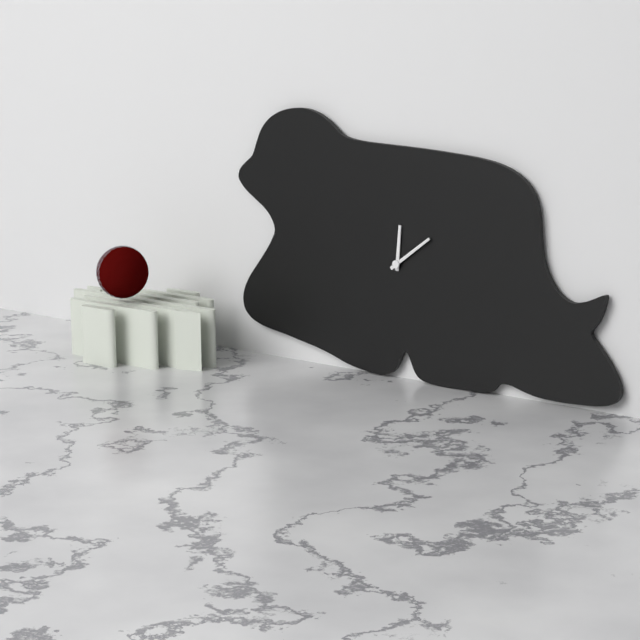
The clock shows 12:09
